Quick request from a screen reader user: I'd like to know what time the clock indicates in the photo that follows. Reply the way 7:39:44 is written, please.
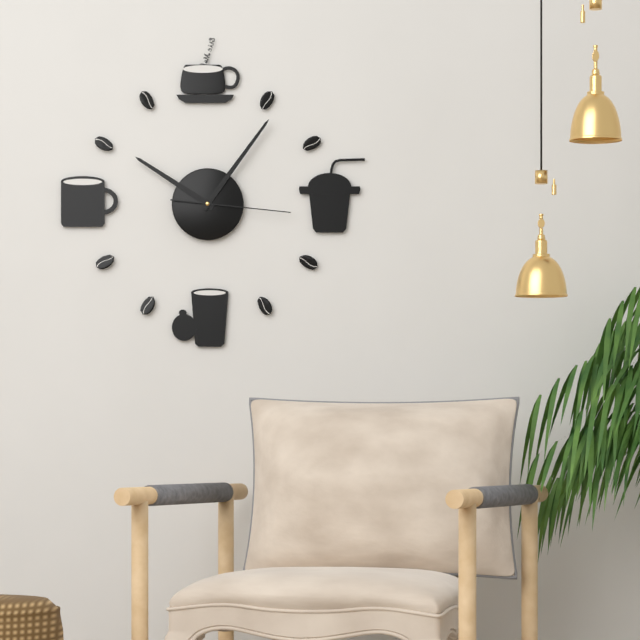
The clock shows 10:06:16
